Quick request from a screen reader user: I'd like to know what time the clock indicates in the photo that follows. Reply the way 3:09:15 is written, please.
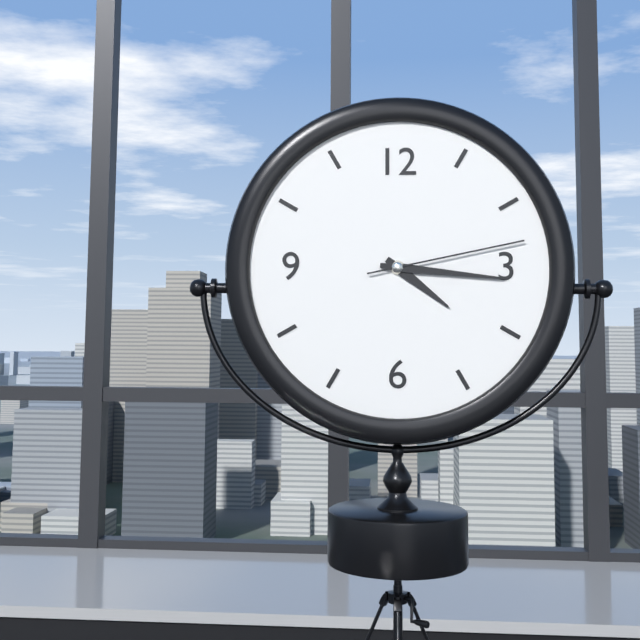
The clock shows 4:16:13
